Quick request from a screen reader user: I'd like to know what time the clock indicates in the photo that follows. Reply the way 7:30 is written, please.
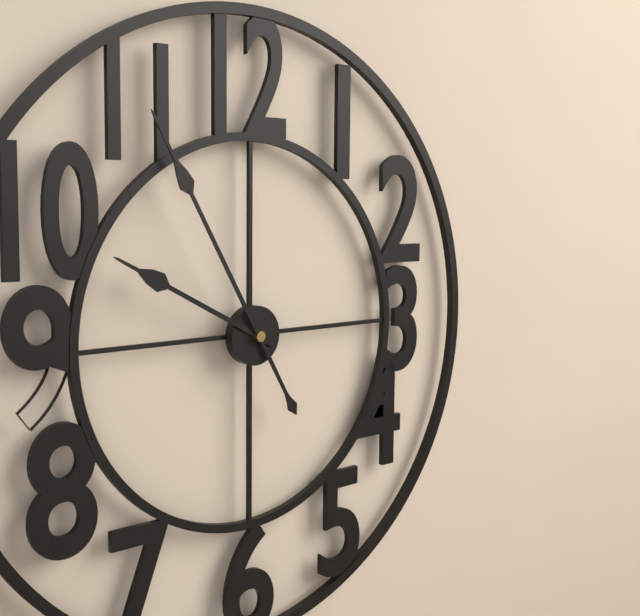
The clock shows 9:55
